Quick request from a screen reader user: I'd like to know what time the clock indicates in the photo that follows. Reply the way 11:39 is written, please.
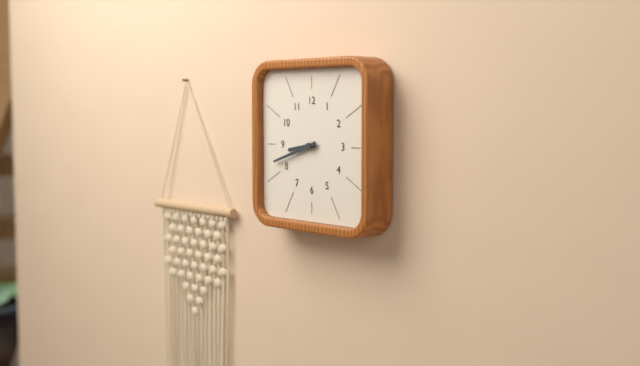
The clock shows 8:42
